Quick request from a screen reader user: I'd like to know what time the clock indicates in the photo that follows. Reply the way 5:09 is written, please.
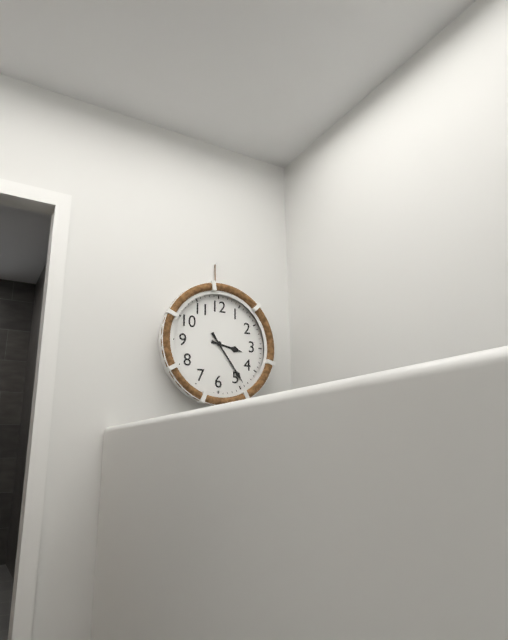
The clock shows 3:24
